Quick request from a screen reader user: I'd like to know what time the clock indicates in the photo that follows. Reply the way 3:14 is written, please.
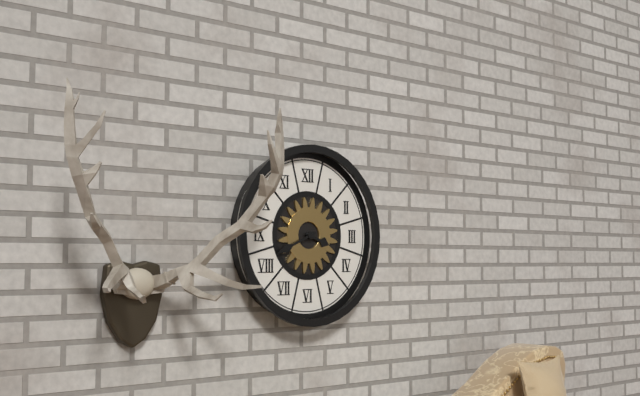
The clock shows 3:41
